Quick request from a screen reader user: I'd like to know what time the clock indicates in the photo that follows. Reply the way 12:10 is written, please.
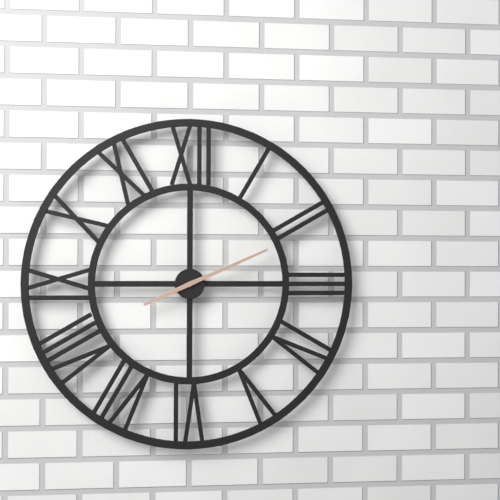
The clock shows 8:11
